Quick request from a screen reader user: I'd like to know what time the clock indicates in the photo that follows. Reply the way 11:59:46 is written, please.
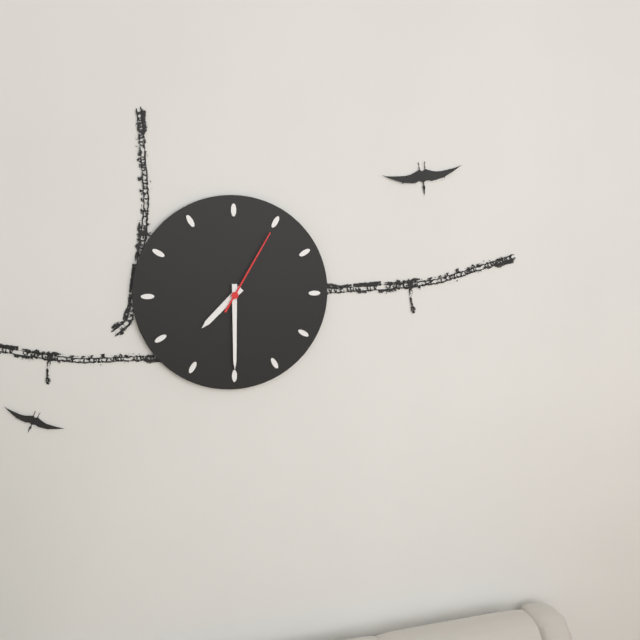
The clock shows 7:30:05
